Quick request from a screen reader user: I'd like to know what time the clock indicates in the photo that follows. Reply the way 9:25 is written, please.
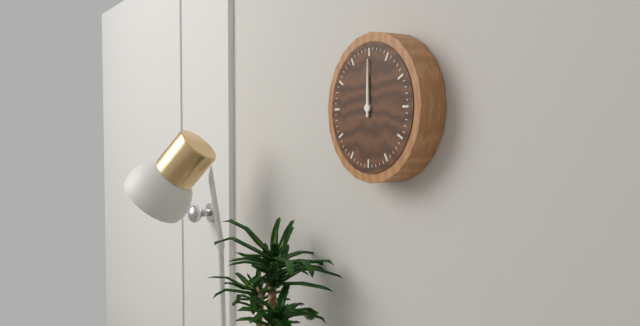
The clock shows 12:00
